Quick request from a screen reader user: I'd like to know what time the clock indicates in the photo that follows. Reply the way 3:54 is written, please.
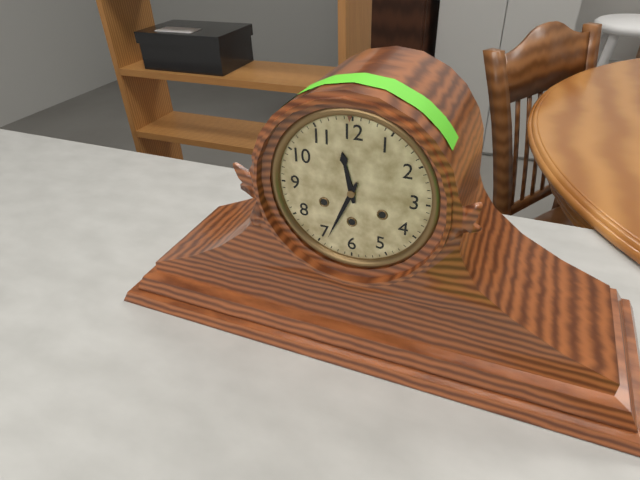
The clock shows 11:34
